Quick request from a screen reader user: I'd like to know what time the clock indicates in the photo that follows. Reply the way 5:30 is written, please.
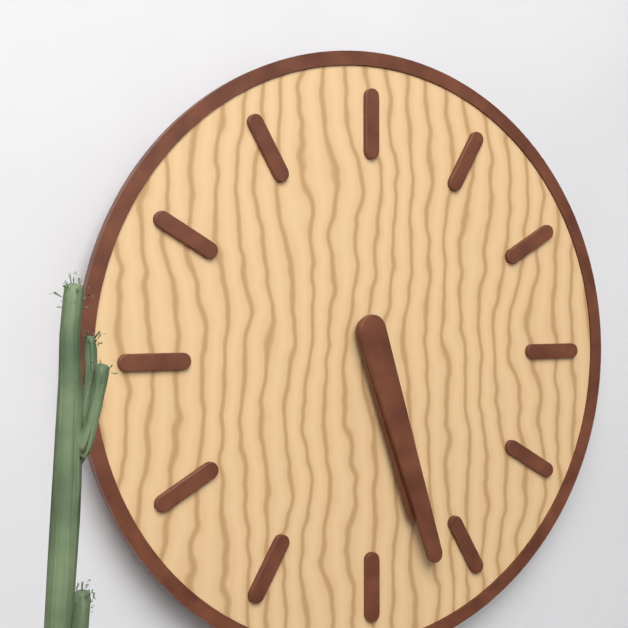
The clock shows 5:27
